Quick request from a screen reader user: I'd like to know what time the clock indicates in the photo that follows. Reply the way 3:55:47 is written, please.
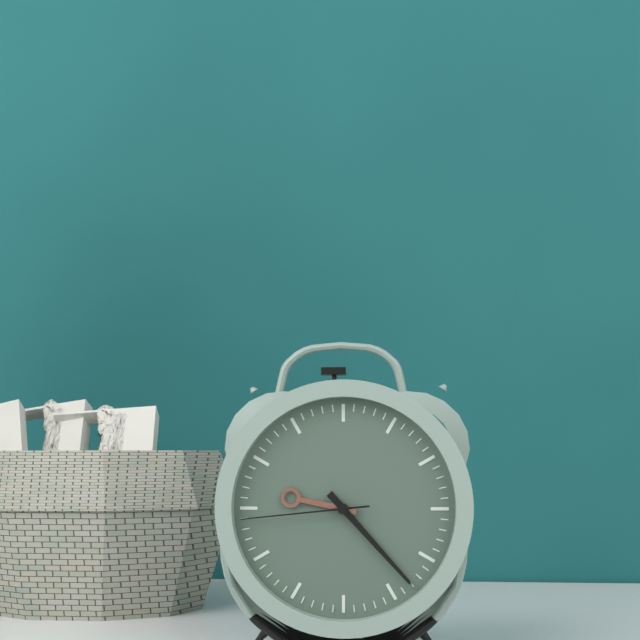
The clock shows 9:23:44
